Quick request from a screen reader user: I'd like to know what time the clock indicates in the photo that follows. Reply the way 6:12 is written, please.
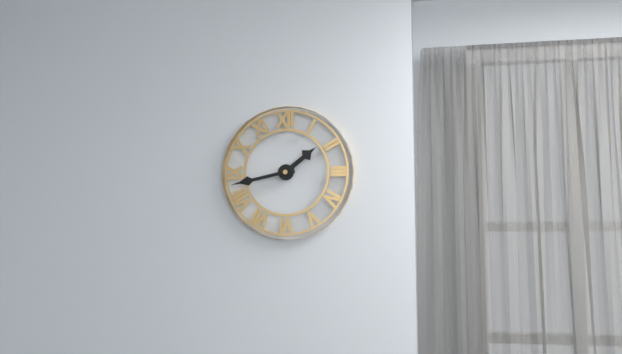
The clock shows 1:43
